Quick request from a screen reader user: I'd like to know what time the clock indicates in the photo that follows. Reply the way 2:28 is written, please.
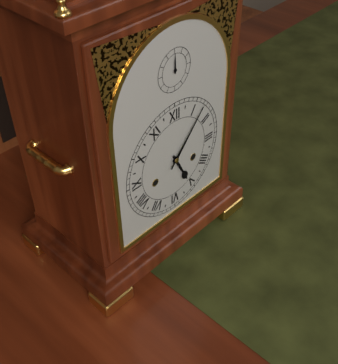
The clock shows 5:07
